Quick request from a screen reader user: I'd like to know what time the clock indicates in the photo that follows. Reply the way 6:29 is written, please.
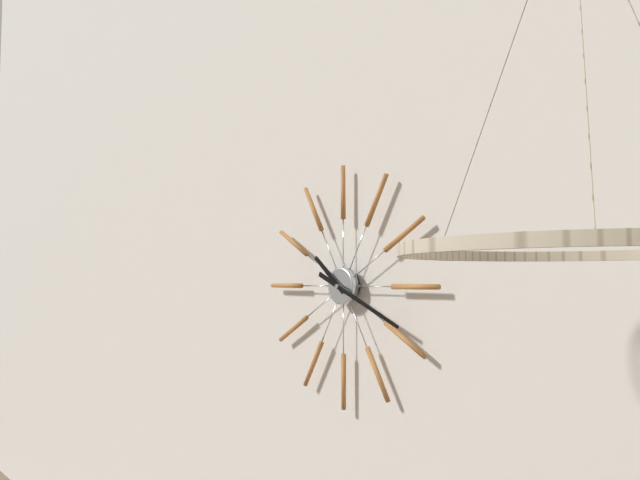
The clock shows 10:19
